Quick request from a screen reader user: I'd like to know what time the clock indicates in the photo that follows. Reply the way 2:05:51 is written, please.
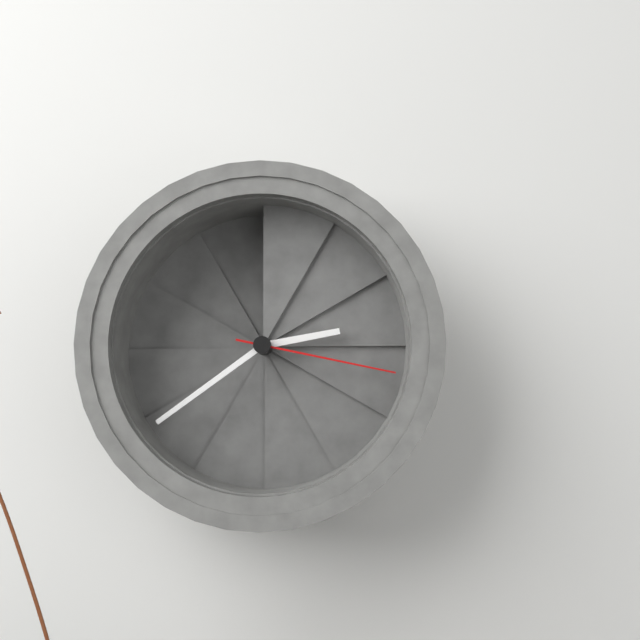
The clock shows 2:39:17
